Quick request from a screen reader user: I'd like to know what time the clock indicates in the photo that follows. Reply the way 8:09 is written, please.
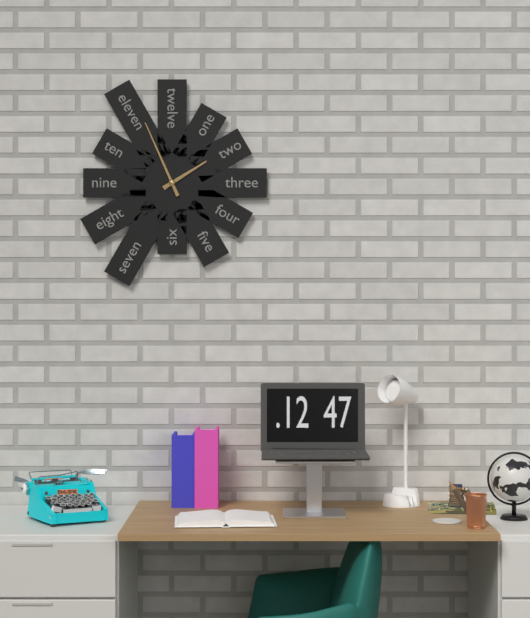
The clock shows 1:56
